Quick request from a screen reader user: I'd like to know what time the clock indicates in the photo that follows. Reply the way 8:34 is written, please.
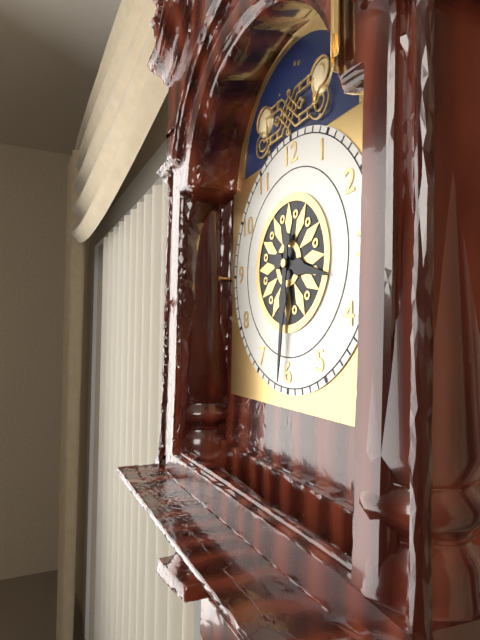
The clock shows 3:31
